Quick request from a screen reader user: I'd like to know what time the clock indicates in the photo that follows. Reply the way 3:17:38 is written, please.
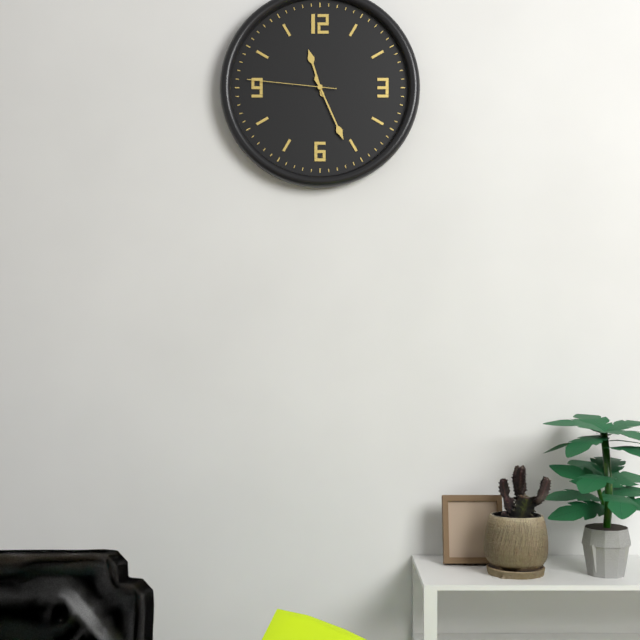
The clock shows 11:26:46
